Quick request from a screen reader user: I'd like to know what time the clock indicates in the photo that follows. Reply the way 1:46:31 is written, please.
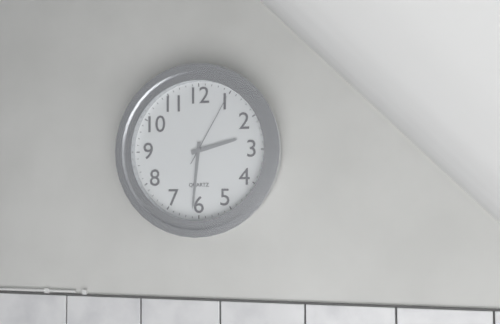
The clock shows 2:31:05
